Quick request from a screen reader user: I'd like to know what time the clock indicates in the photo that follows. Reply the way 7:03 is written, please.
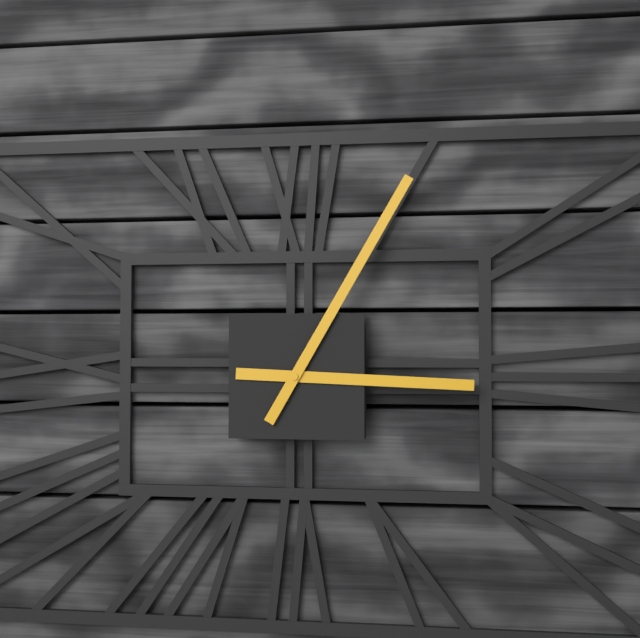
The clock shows 3:05
